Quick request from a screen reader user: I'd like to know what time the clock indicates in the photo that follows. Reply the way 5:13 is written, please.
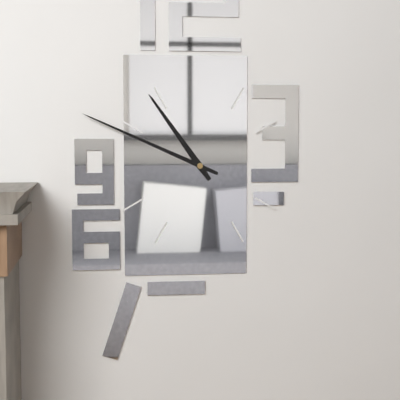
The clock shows 10:49
